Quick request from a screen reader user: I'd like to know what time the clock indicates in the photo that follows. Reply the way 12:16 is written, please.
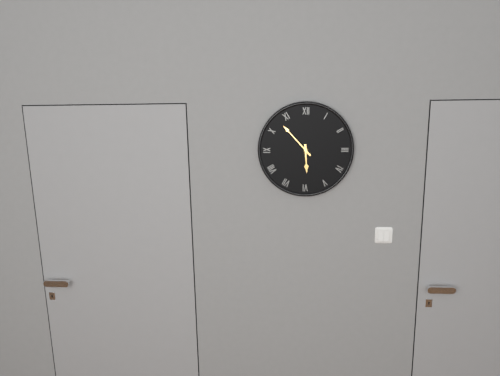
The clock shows 5:53
